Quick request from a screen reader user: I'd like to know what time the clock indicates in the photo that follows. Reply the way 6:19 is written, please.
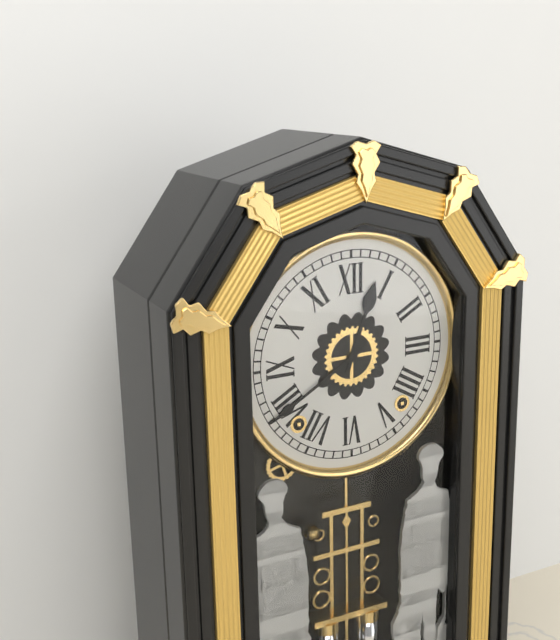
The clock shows 12:40
